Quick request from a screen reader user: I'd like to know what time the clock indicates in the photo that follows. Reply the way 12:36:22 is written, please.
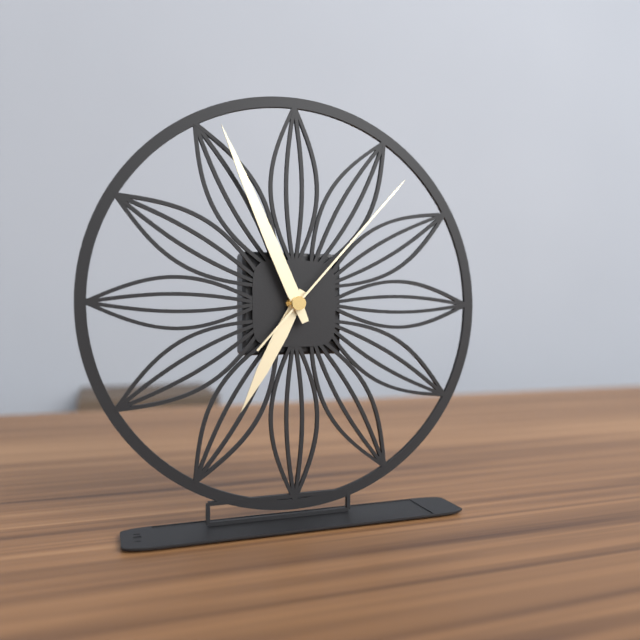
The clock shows 6:56:07
